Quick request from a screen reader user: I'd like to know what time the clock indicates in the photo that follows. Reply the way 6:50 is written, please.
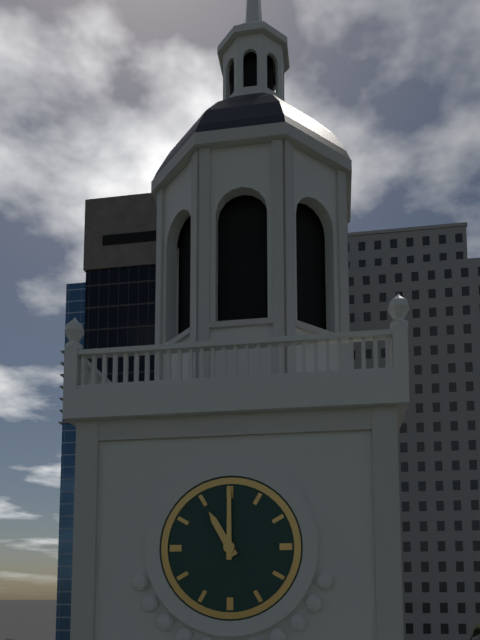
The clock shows 11:00
